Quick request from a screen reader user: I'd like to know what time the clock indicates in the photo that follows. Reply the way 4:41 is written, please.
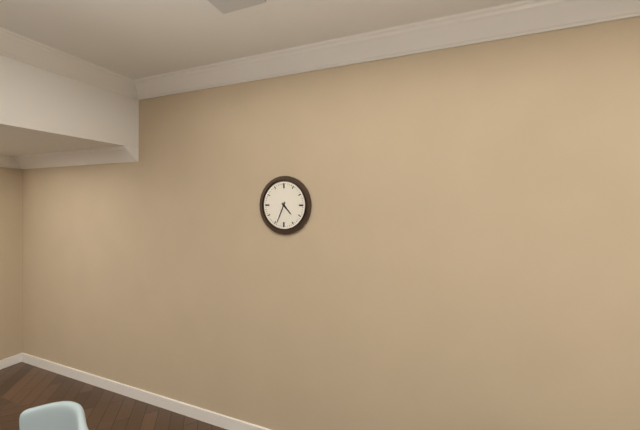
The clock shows 4:34
